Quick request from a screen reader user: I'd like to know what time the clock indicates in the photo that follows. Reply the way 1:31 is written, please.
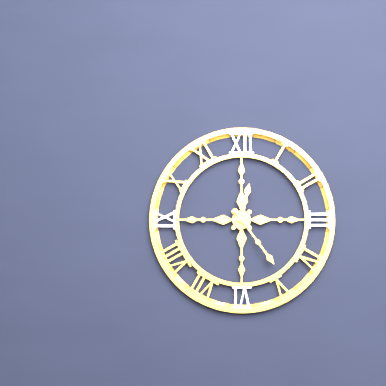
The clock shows 12:24
